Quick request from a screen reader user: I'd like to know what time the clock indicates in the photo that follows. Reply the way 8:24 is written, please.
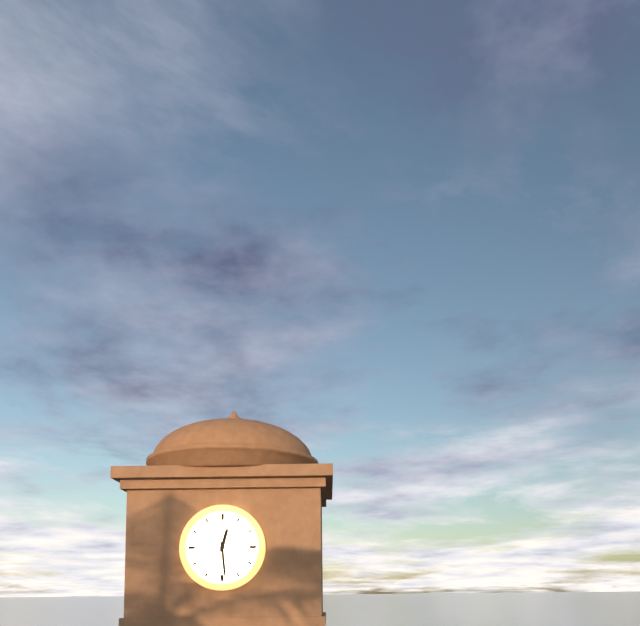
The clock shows 12:29
